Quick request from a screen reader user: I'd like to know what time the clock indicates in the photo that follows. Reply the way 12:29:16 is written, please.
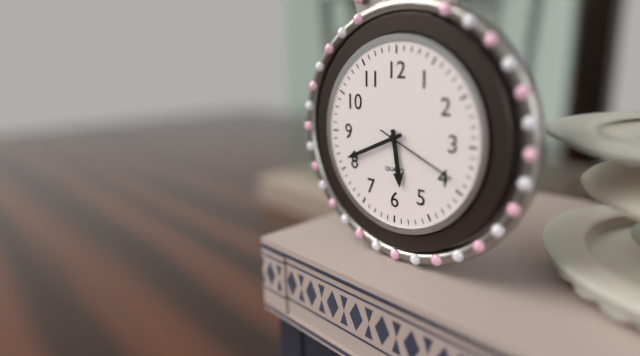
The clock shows 5:41:19
